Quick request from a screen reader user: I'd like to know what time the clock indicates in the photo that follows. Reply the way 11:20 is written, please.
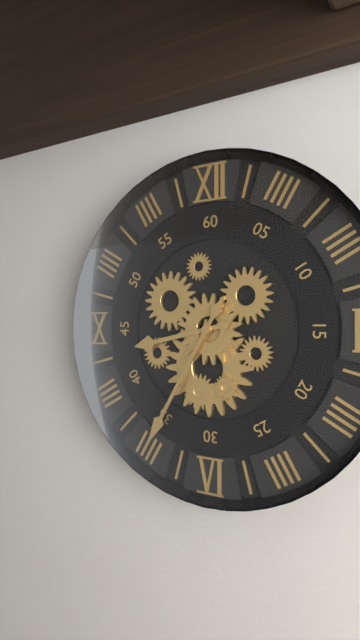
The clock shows 8:35
